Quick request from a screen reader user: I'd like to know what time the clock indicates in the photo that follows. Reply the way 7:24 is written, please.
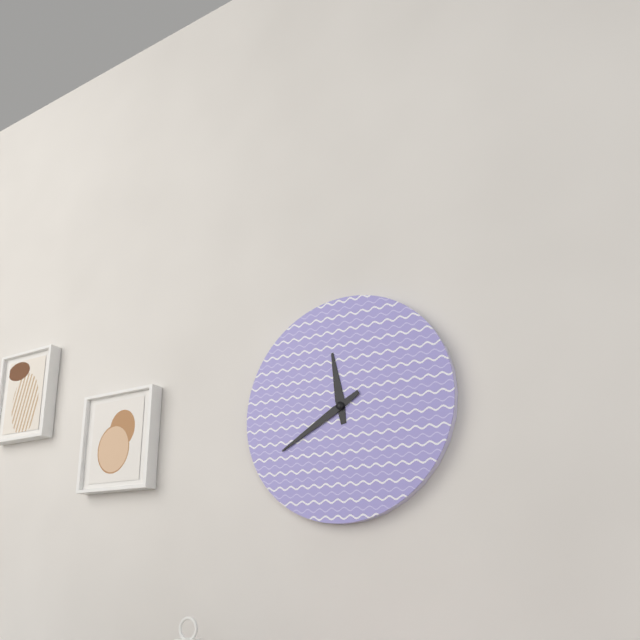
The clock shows 11:40
